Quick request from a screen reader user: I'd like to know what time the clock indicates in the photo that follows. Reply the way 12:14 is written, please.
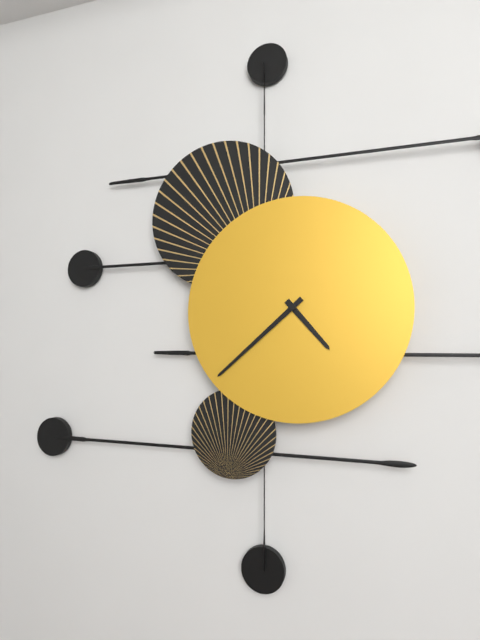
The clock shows 4:38
